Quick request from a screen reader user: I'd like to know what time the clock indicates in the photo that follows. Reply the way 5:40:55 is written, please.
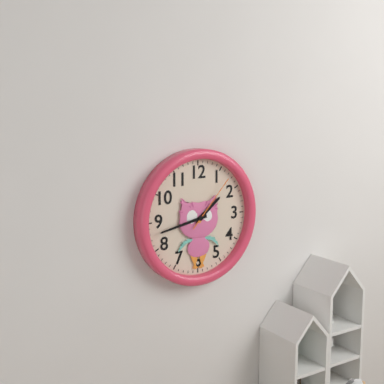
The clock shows 1:43:07
